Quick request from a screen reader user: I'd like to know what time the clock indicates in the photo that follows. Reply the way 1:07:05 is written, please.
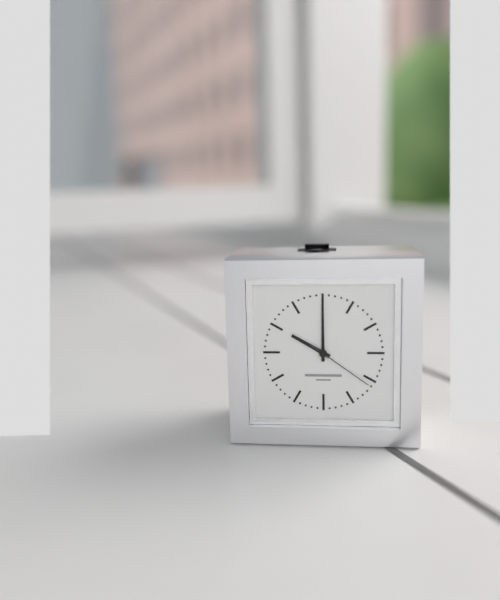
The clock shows 10:00:21
